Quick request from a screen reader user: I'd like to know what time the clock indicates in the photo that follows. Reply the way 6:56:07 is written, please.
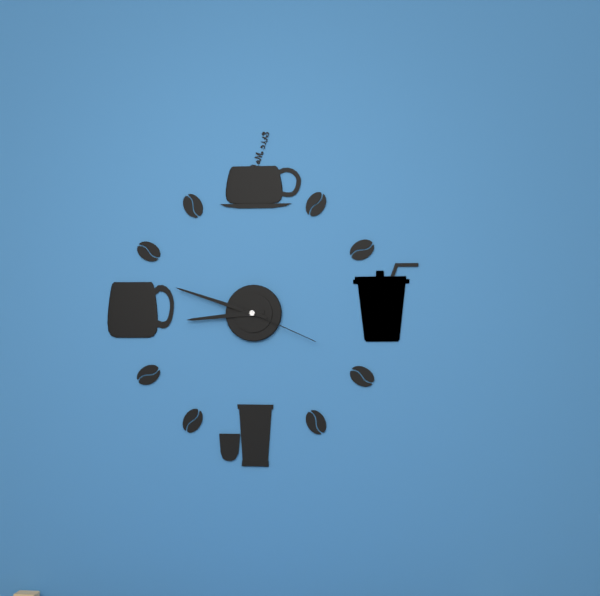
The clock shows 8:48:19
